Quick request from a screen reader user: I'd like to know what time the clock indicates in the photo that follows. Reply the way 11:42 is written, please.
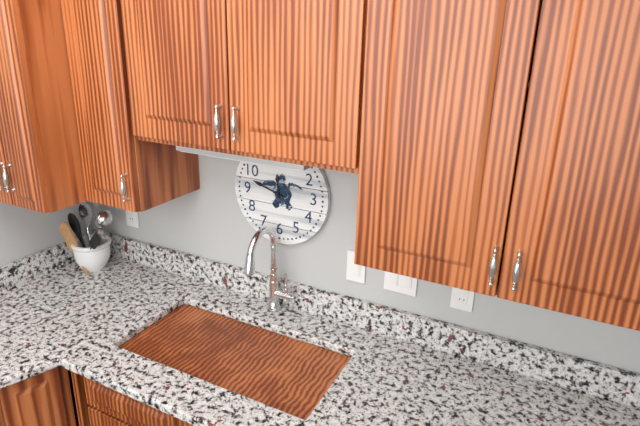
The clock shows 11:48
